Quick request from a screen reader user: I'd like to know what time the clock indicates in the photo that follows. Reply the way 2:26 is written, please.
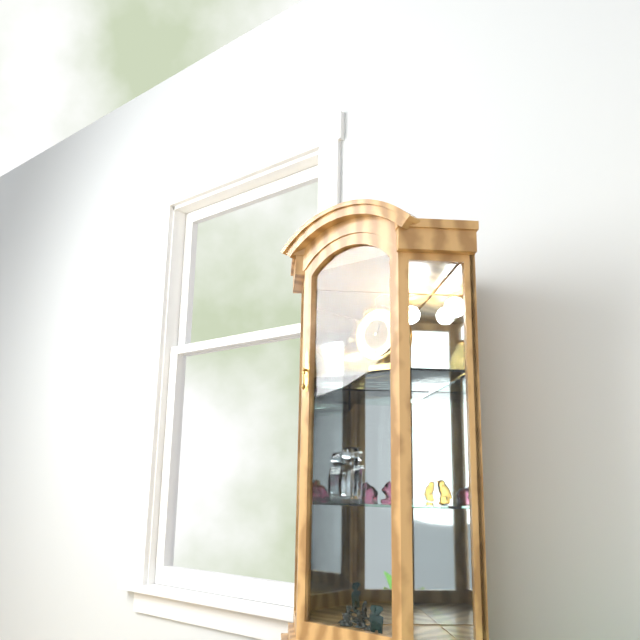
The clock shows 12:46
